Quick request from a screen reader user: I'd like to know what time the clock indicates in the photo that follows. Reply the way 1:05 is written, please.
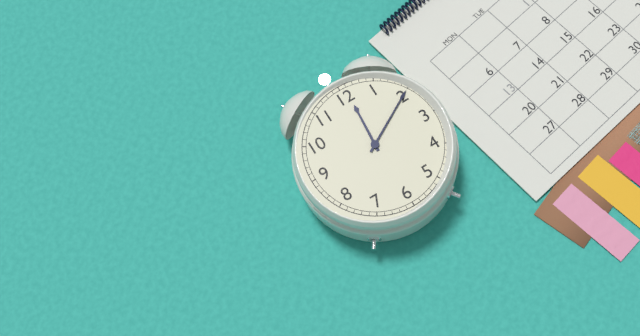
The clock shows 12:10
